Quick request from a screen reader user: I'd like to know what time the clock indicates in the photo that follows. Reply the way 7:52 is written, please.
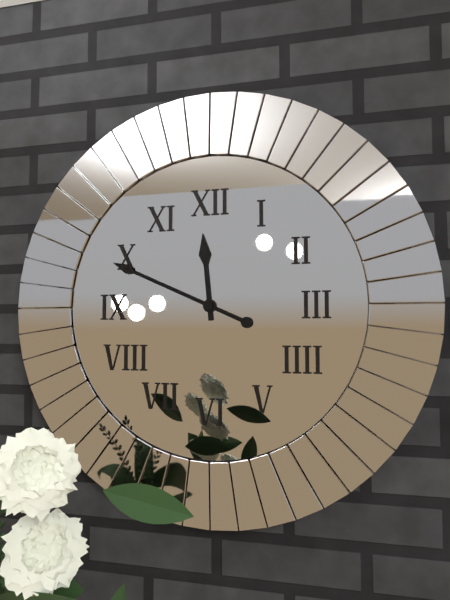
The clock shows 11:49
